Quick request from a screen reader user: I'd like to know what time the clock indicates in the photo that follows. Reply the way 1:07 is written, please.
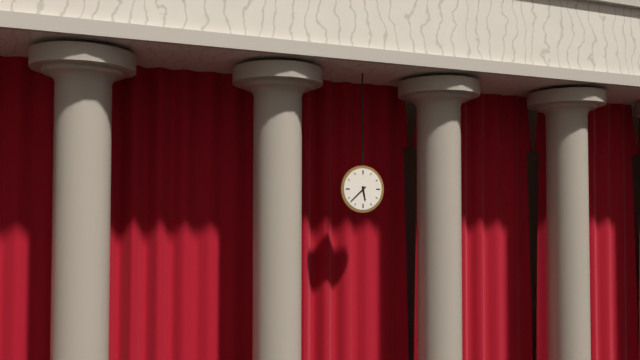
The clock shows 5:38
